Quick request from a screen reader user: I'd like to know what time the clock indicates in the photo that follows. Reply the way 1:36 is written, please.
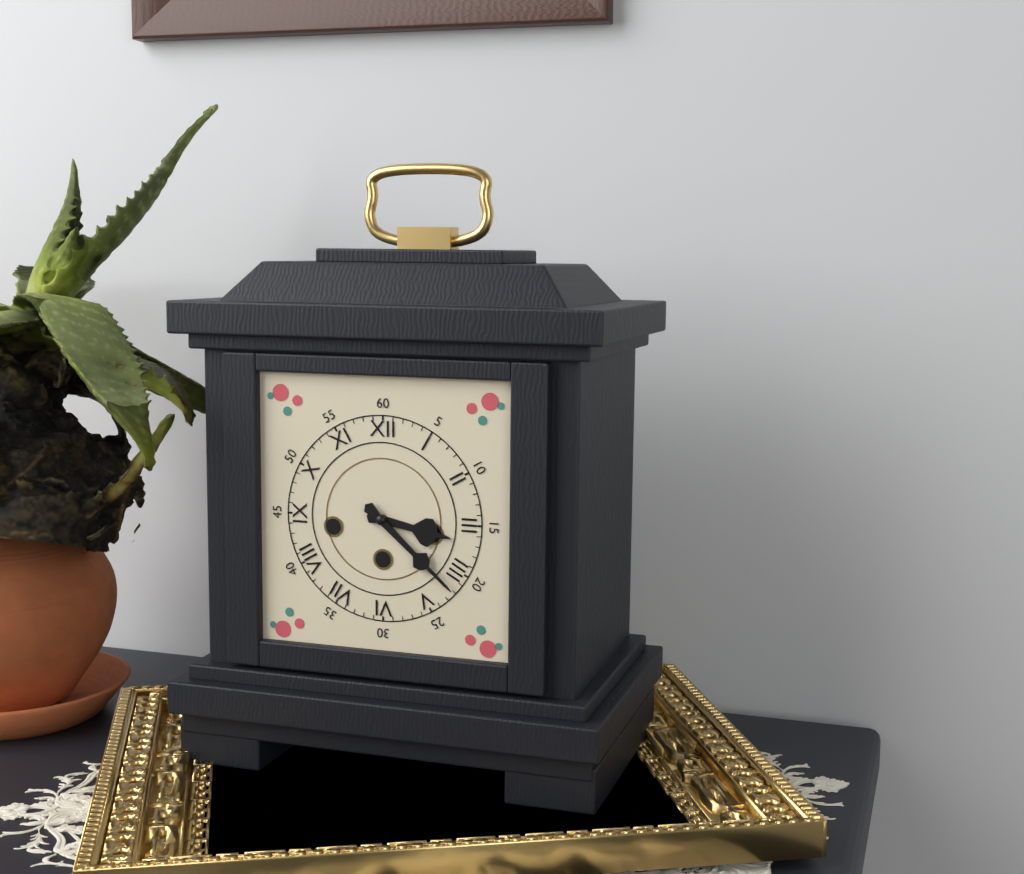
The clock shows 3:22
